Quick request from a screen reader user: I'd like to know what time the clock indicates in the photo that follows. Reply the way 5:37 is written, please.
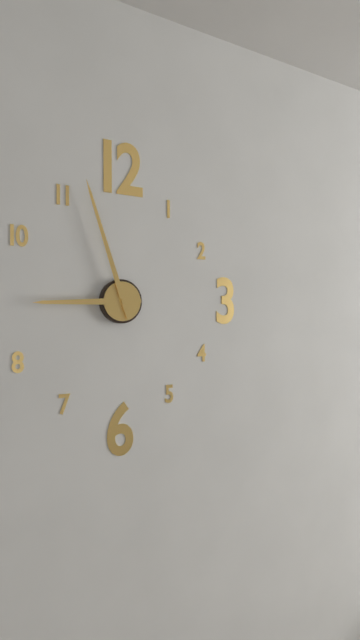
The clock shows 8:57
